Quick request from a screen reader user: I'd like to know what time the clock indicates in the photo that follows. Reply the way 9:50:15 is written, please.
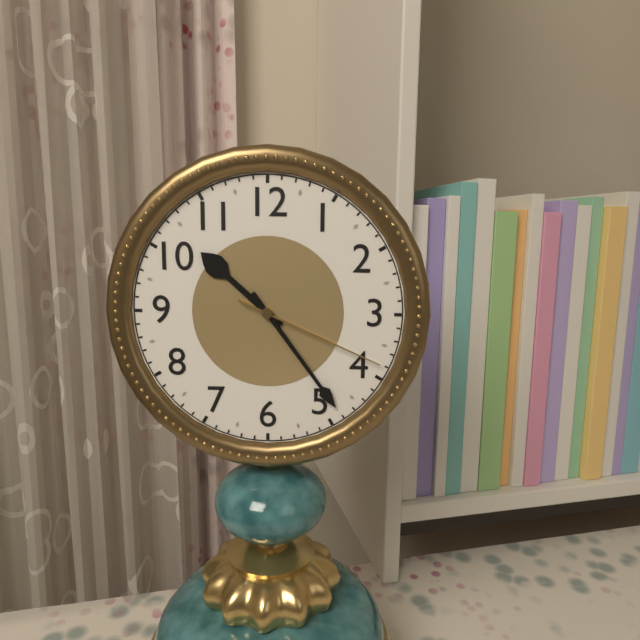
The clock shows 10:24:19
